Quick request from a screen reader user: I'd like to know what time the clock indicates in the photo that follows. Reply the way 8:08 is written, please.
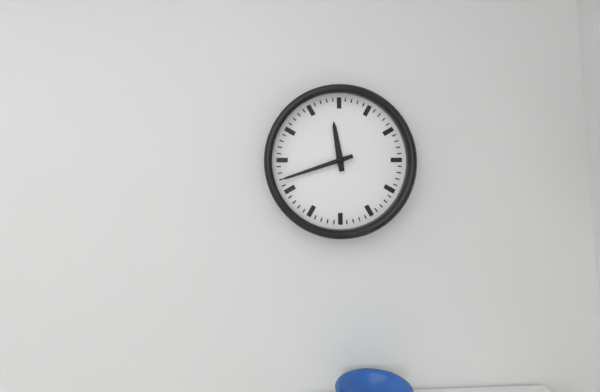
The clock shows 11:42
